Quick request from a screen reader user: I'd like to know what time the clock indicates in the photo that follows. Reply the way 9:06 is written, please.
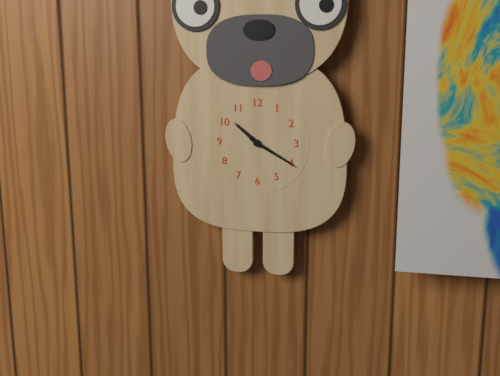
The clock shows 10:20
